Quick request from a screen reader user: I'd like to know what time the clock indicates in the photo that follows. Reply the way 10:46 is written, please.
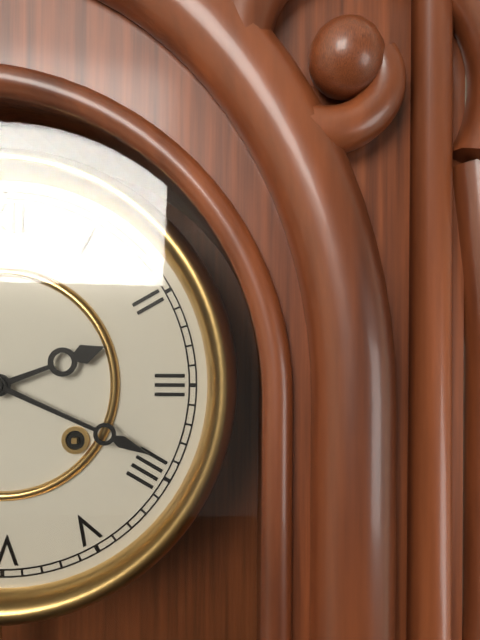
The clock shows 2:19
